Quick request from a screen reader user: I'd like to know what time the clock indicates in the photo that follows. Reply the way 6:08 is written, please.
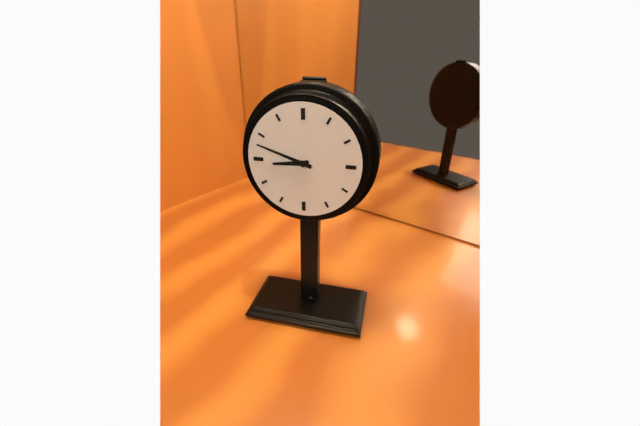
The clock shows 8:48
